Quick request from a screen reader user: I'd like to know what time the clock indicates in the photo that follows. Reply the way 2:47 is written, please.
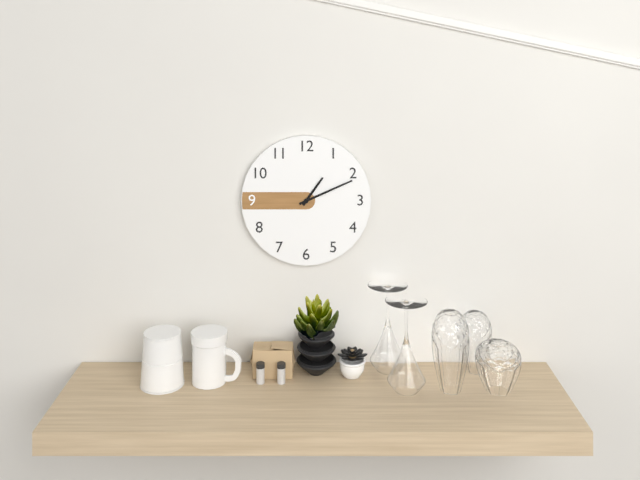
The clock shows 1:11
